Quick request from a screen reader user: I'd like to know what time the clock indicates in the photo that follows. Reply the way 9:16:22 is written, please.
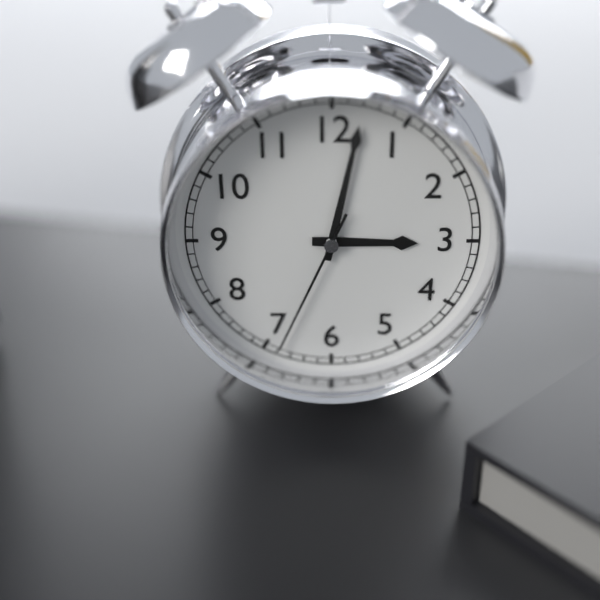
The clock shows 3:02:34
